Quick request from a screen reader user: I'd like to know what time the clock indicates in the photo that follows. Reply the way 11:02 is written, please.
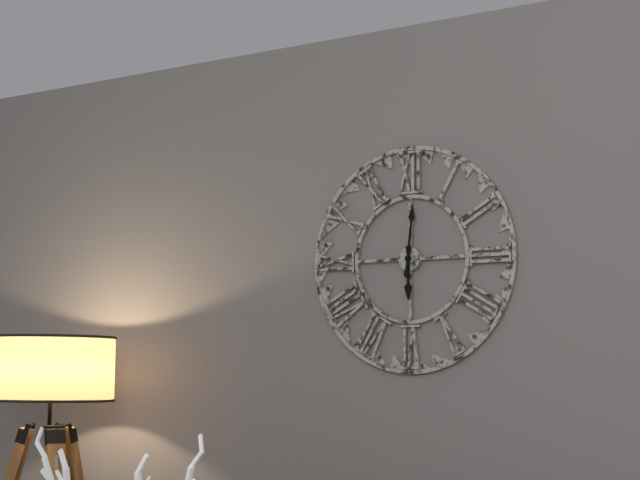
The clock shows 6:01
